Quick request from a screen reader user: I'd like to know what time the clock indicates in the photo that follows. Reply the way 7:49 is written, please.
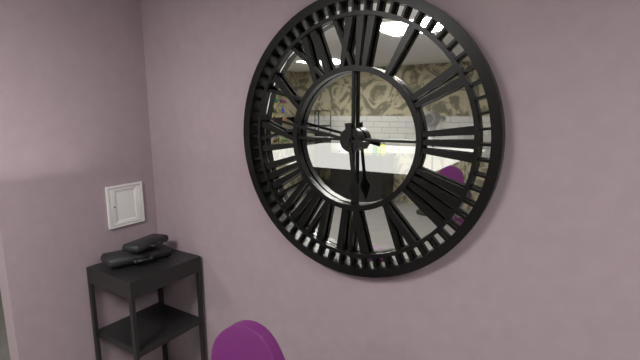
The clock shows 5:47
